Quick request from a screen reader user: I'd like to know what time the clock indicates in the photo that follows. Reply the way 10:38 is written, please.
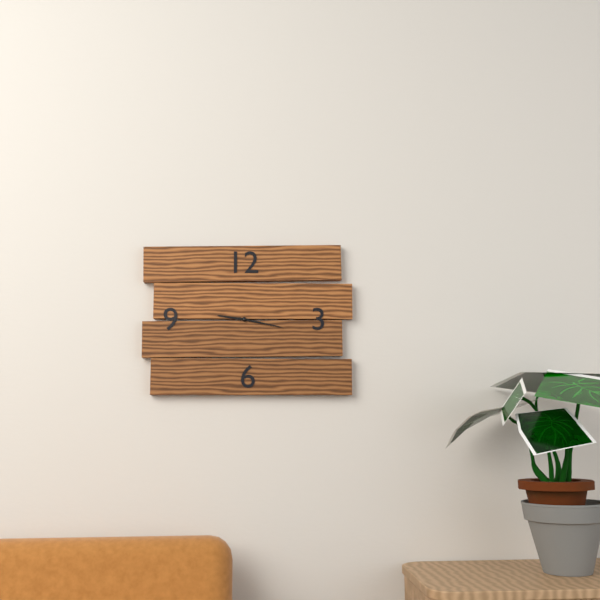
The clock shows 9:17
